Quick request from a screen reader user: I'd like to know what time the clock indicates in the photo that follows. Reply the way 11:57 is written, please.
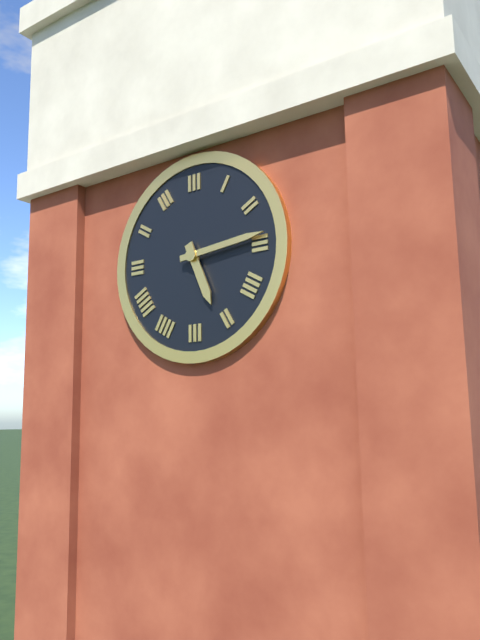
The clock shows 5:14
